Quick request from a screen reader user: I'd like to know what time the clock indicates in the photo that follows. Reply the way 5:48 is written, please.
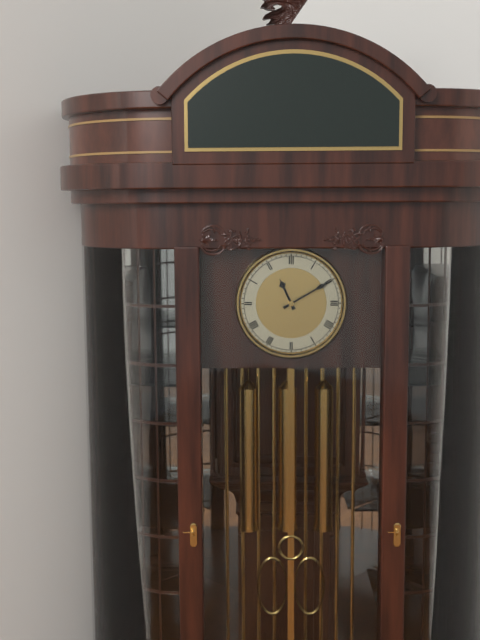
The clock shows 11:10
